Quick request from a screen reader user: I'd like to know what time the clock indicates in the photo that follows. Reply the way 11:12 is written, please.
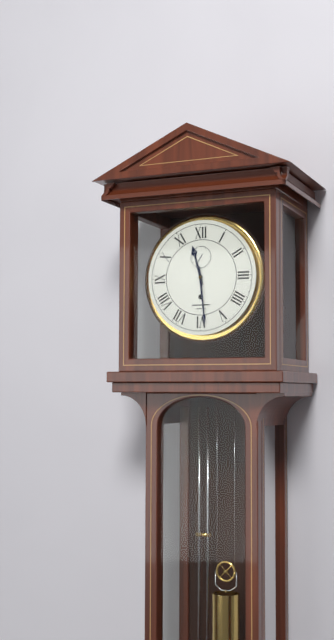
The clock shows 11:29
